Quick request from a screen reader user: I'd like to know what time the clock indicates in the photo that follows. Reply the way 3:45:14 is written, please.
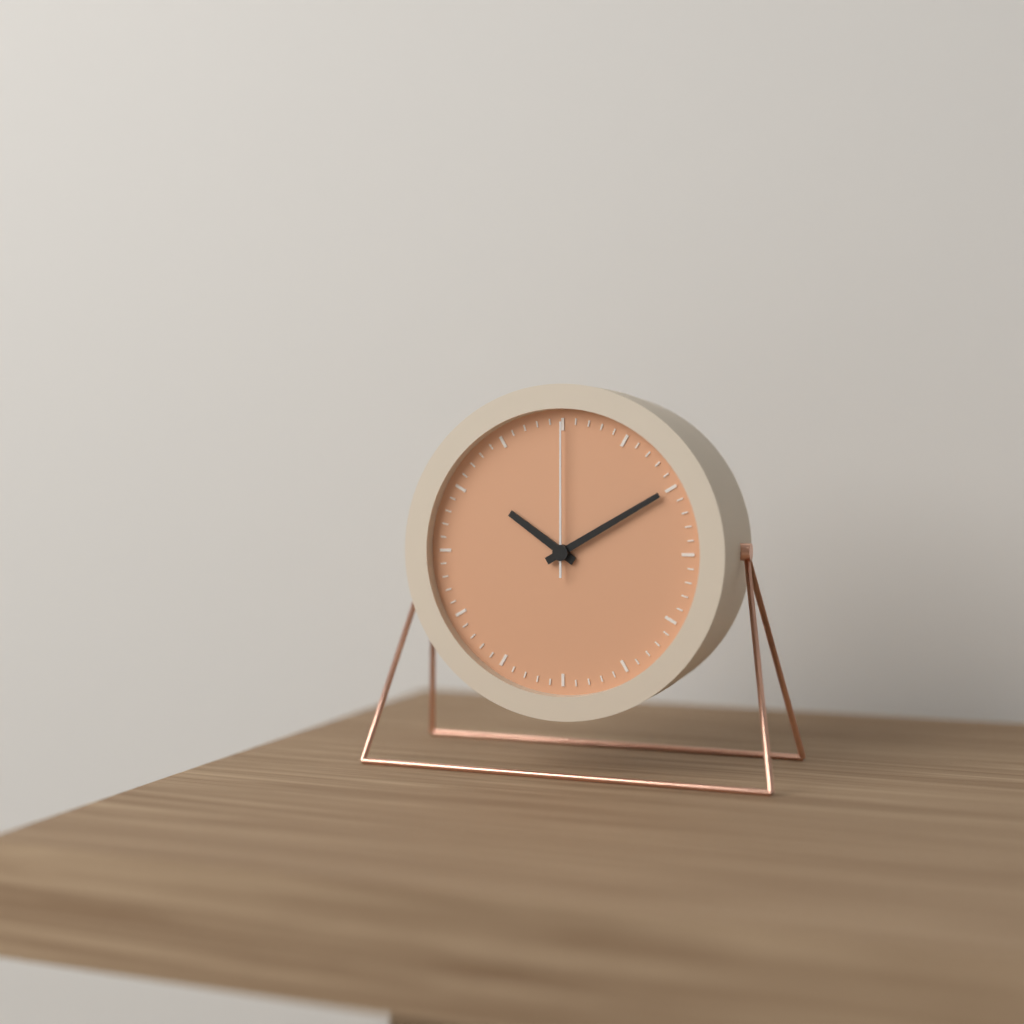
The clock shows 10:10:00
